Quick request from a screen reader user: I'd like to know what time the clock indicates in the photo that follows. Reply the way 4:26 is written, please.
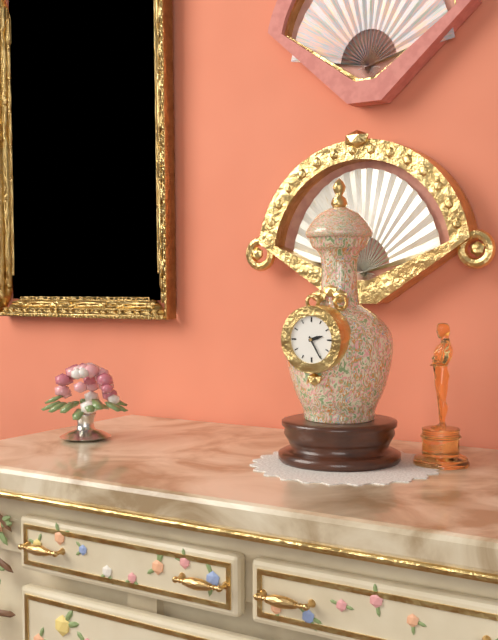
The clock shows 2:25
